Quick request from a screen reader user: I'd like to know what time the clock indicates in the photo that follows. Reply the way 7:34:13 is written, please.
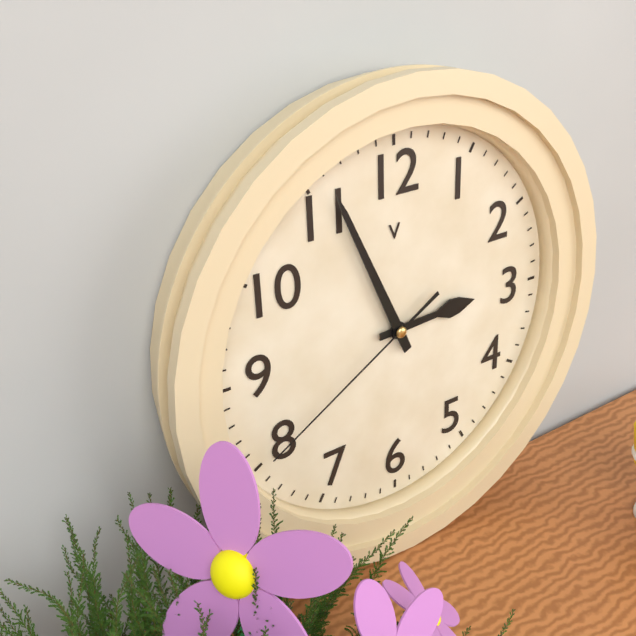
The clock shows 2:56:40
